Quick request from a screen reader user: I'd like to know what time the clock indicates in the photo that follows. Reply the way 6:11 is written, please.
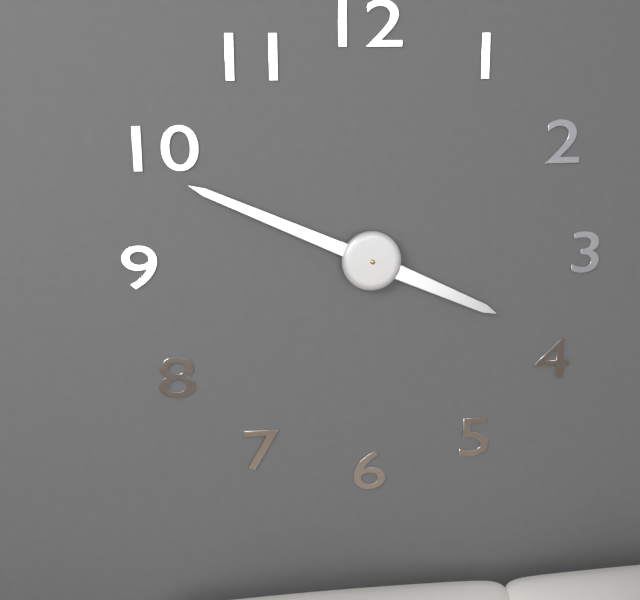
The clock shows 3:49
